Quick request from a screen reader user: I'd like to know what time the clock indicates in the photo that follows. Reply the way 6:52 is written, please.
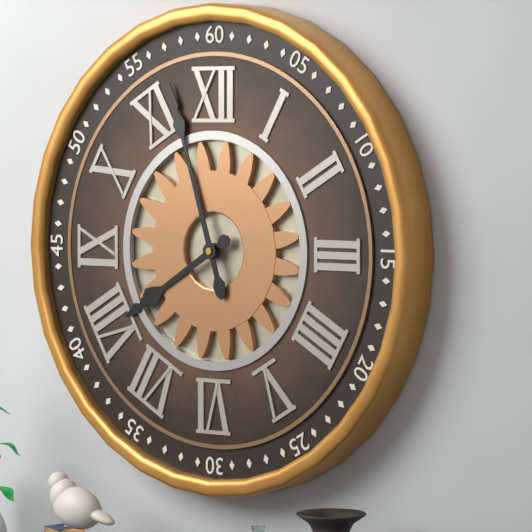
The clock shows 7:57
